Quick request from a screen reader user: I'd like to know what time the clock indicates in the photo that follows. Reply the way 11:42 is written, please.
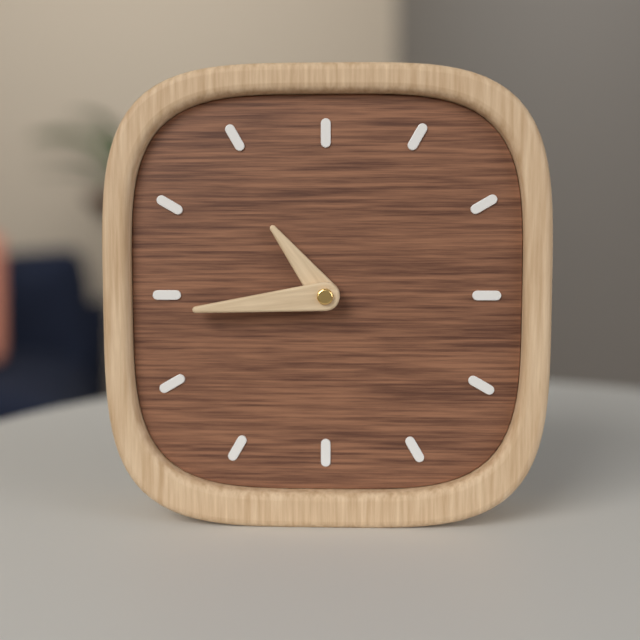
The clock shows 10:44
